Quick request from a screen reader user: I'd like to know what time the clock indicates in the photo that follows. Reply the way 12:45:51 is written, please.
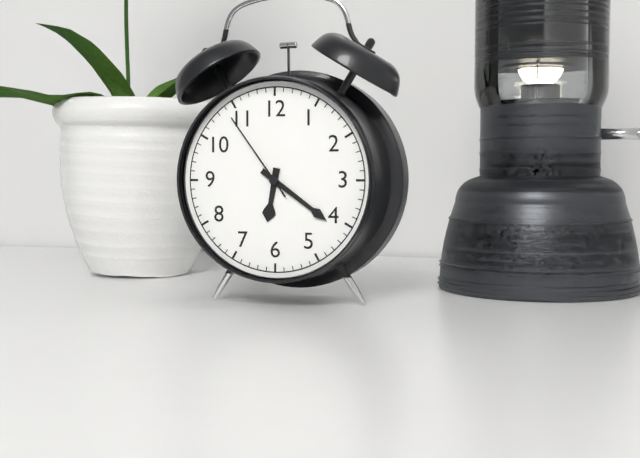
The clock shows 6:21:54
